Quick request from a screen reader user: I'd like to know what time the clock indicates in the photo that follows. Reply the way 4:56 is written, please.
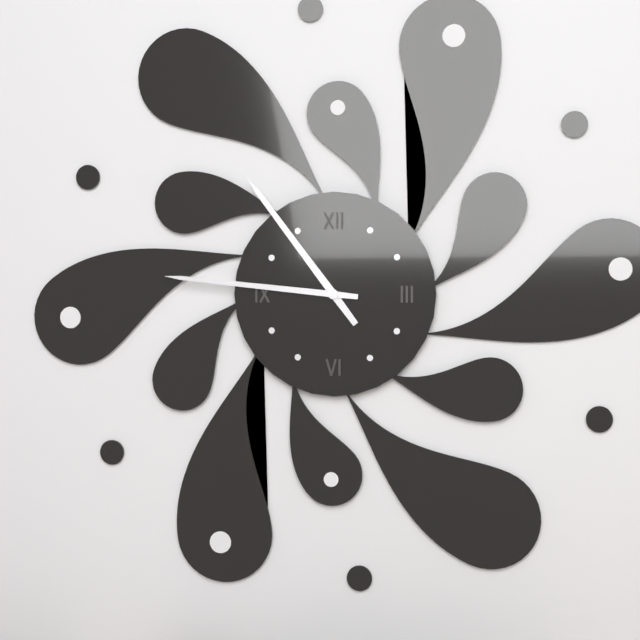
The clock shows 10:46
